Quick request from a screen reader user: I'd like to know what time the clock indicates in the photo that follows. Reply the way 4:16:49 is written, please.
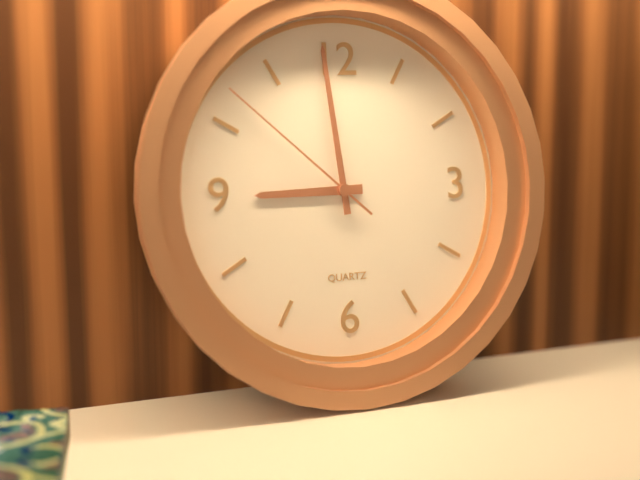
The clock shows 8:59:52
